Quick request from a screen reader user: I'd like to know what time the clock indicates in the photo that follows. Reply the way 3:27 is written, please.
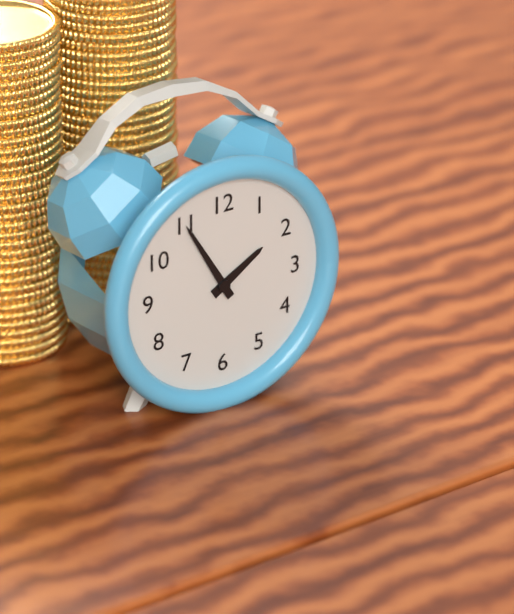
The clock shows 1:55
